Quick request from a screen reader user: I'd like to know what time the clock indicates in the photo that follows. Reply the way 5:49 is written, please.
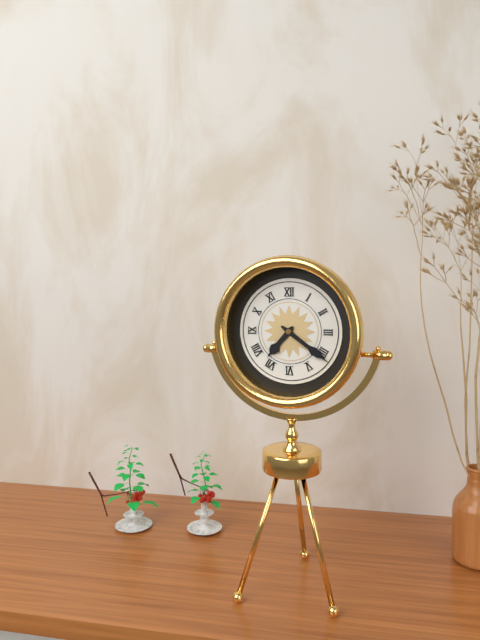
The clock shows 7:21
